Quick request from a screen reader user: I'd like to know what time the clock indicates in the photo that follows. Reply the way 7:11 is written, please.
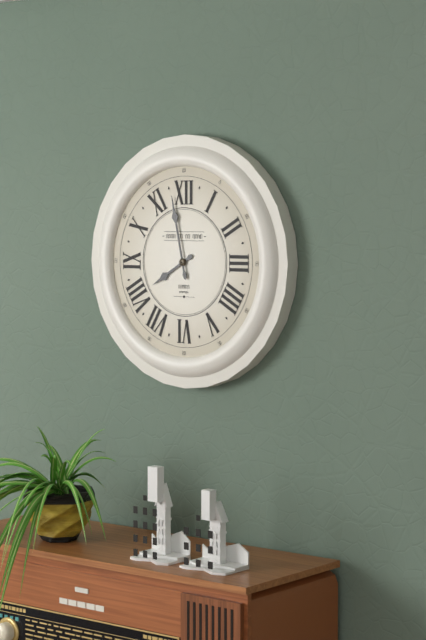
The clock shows 7:58
